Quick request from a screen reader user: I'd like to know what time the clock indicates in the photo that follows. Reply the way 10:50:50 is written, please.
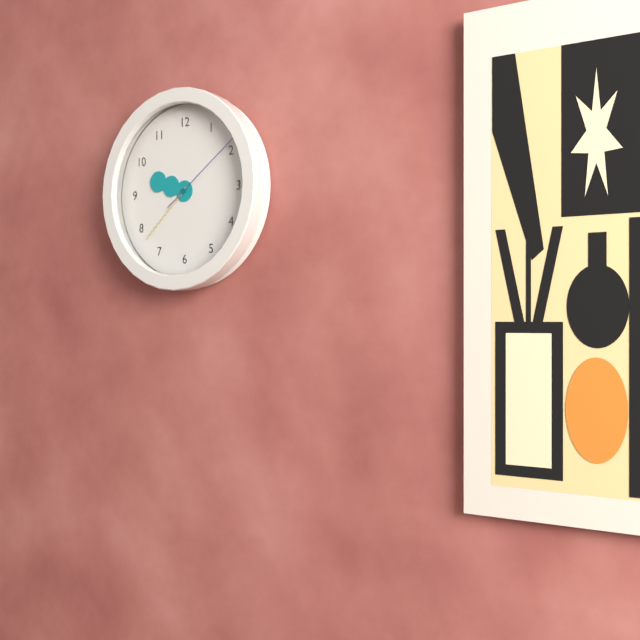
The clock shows 9:38:09
